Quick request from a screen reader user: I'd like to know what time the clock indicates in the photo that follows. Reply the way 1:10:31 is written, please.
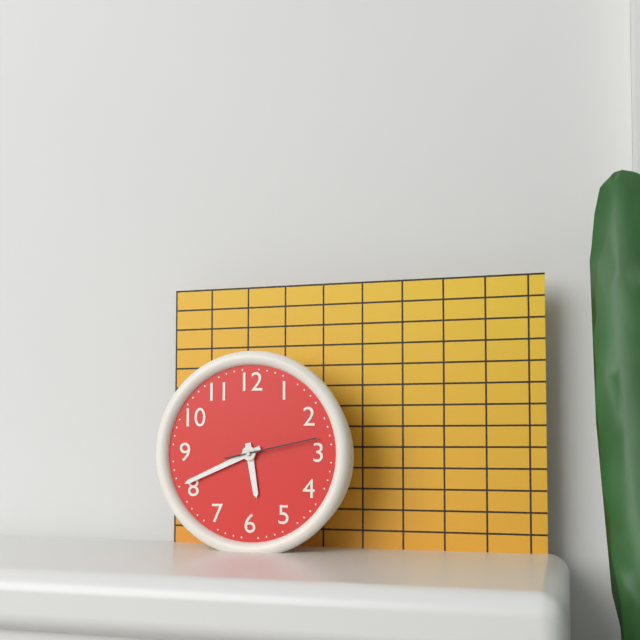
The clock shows 5:41:13
